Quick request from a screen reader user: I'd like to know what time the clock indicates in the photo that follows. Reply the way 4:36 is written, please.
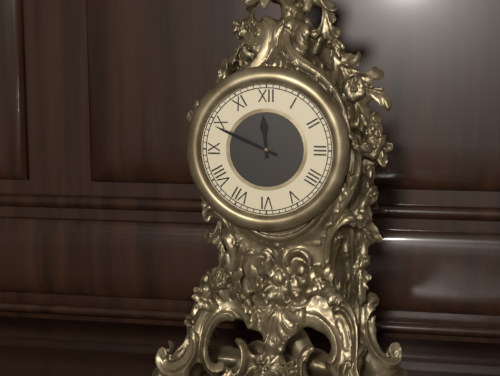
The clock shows 11:49
